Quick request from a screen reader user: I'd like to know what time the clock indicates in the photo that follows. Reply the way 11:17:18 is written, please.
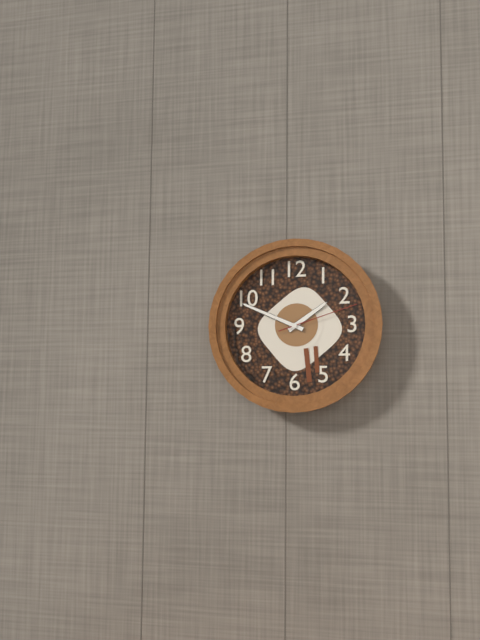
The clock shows 1:49:12
